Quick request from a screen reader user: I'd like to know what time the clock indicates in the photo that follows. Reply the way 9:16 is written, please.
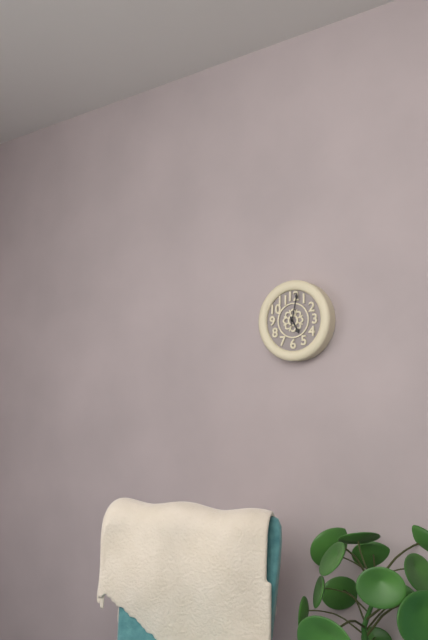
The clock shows 5:02
